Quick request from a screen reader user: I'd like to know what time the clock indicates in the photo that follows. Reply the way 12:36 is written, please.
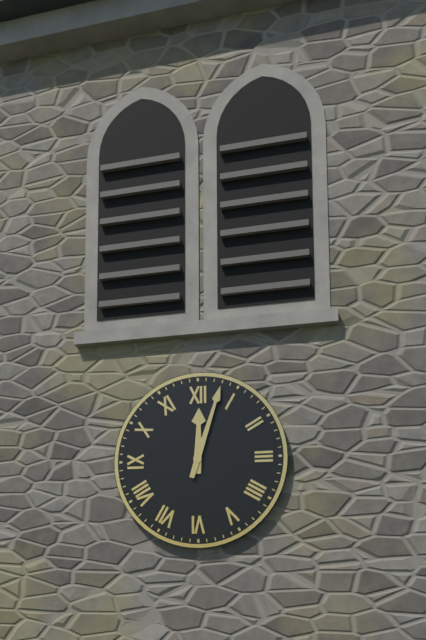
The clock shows 12:03
